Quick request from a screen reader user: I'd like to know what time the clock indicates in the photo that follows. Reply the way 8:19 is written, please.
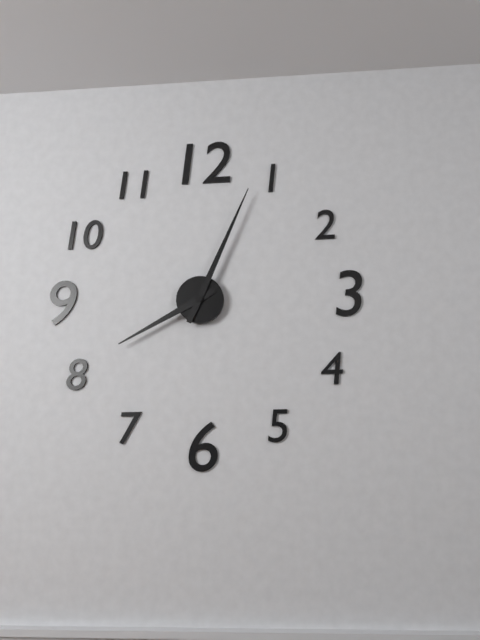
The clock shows 8:04
